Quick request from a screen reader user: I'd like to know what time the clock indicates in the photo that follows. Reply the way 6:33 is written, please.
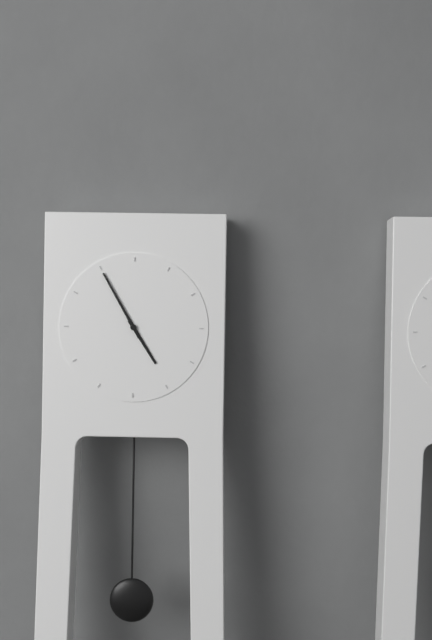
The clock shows 4:55
